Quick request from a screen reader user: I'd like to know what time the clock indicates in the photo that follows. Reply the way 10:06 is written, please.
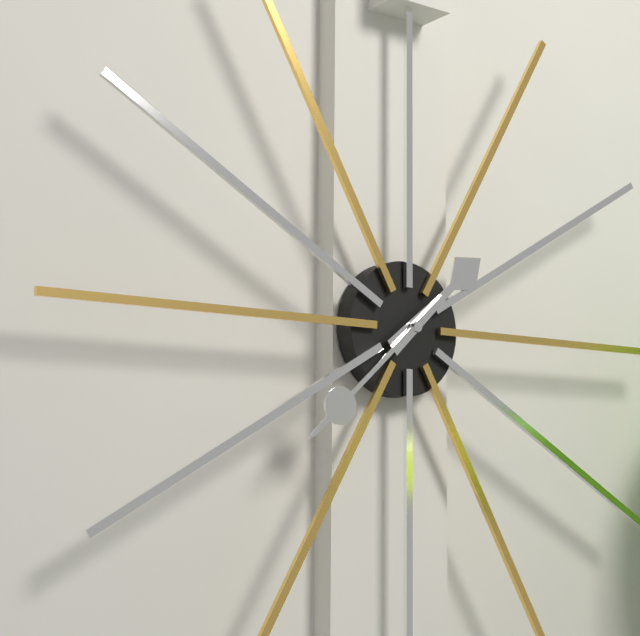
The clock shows 1:38
